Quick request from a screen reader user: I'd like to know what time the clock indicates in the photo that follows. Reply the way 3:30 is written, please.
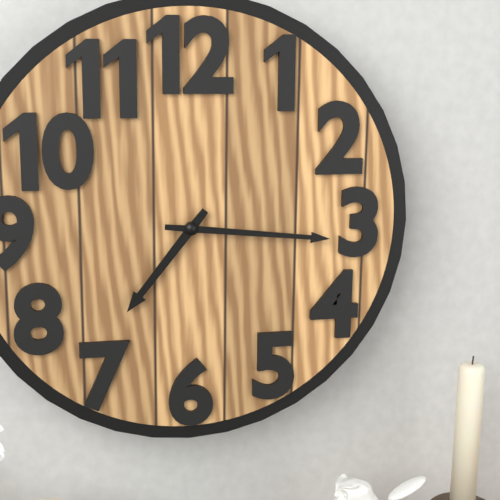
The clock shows 7:16
